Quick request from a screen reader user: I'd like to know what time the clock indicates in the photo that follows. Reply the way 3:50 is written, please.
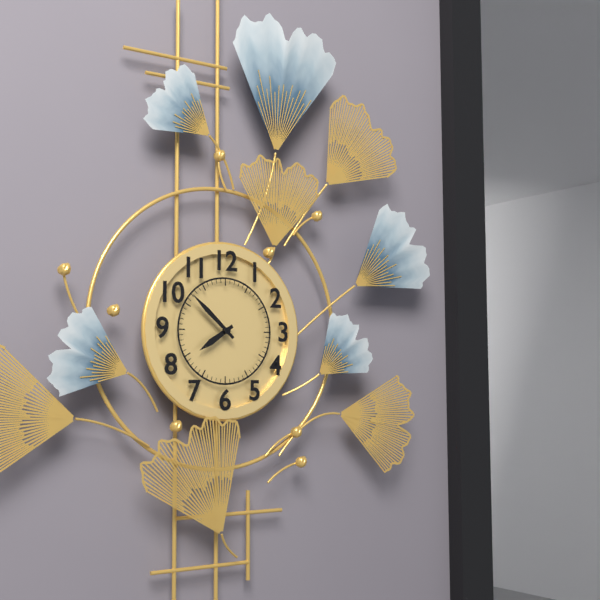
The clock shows 7:52
